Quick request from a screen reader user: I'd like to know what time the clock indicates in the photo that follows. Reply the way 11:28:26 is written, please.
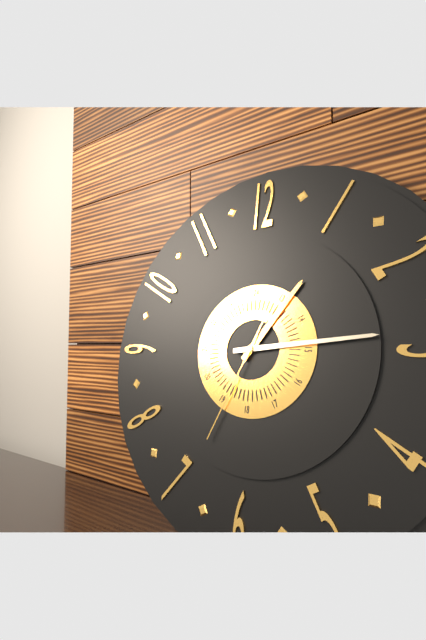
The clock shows 1:14:34
